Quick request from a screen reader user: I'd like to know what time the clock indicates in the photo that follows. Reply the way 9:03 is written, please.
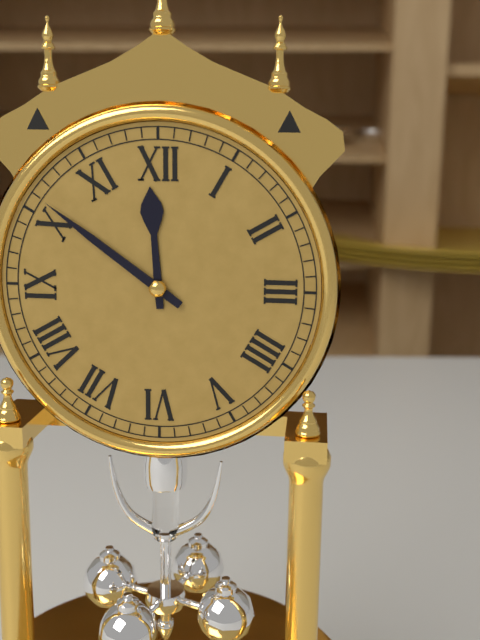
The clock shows 11:51
